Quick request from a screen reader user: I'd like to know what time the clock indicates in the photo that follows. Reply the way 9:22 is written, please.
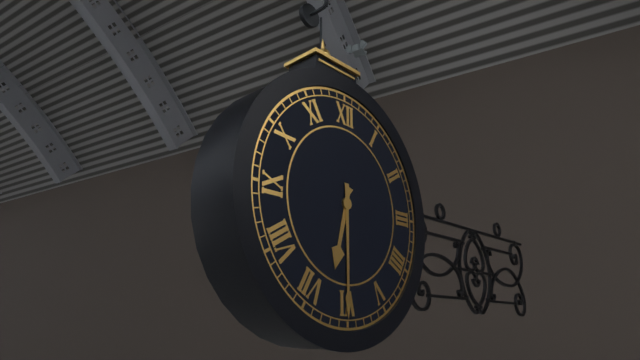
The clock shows 6:30
